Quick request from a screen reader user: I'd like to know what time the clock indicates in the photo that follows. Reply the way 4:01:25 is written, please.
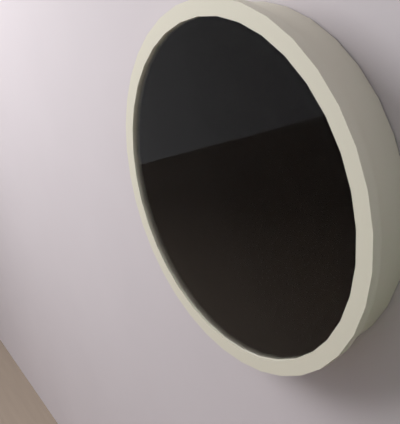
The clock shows 4:15:18
